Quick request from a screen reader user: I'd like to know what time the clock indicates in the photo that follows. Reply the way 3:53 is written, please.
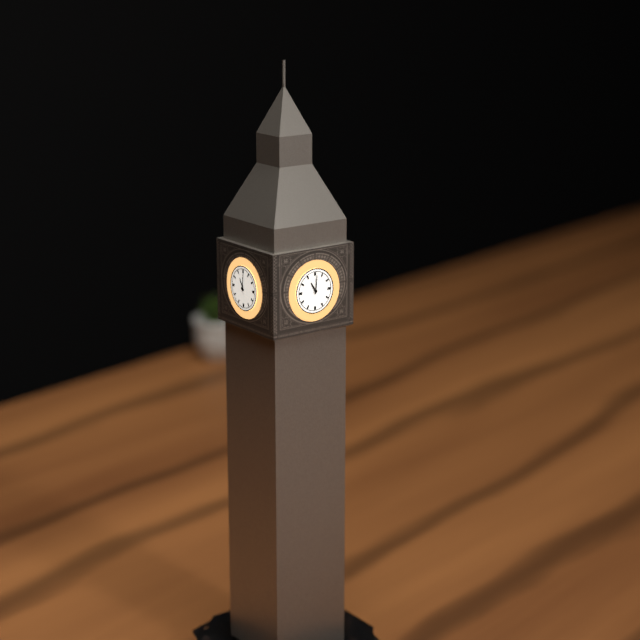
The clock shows 11:01
